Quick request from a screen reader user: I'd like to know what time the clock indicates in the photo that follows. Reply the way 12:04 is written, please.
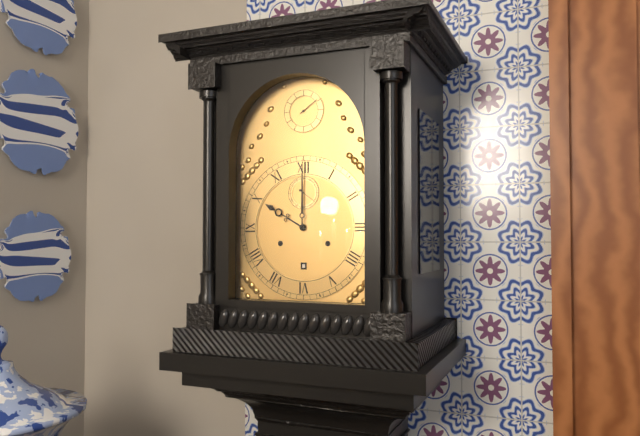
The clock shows 10:00
